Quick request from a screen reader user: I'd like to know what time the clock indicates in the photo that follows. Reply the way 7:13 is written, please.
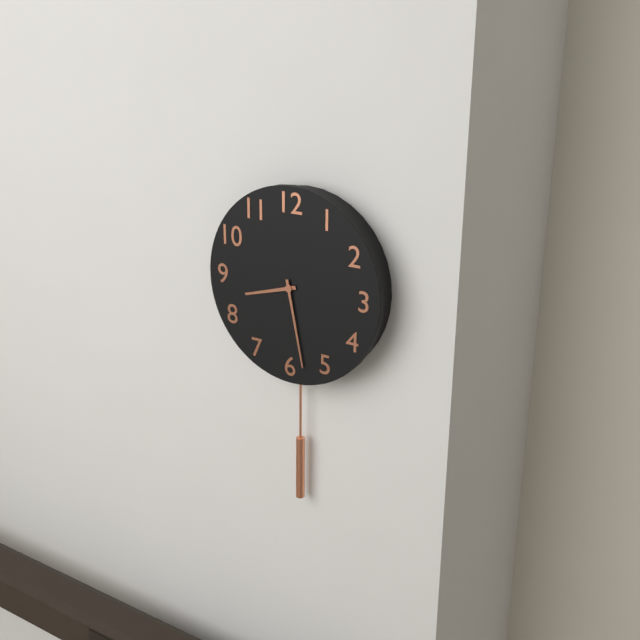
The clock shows 8:28
